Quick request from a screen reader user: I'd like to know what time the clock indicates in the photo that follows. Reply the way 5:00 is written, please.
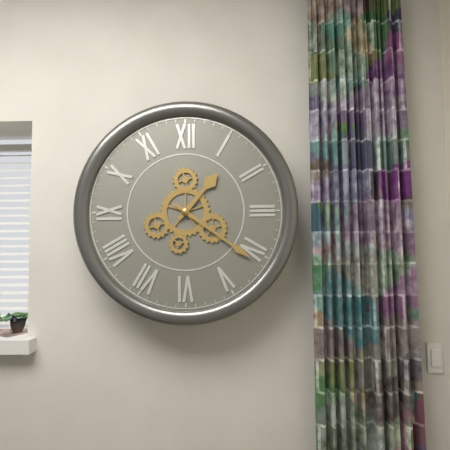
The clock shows 1:21
